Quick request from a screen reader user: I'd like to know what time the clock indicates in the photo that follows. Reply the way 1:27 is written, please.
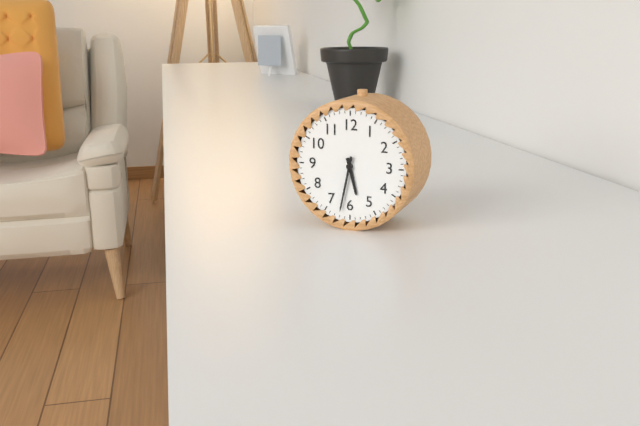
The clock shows 5:32
